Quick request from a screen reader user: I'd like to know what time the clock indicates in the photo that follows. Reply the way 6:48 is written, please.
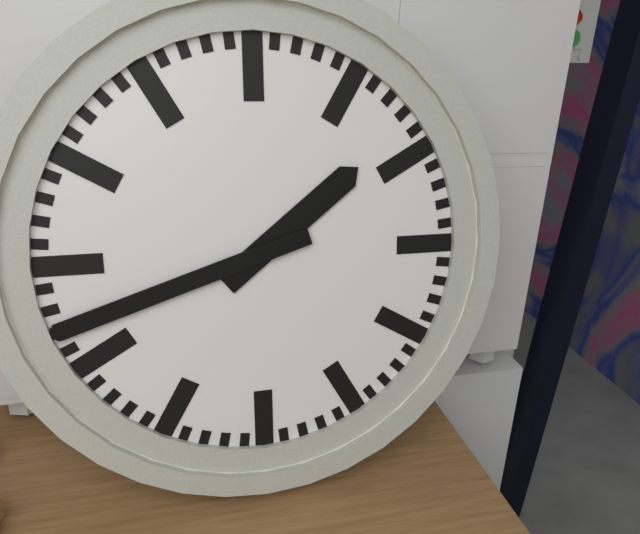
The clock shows 1:42
